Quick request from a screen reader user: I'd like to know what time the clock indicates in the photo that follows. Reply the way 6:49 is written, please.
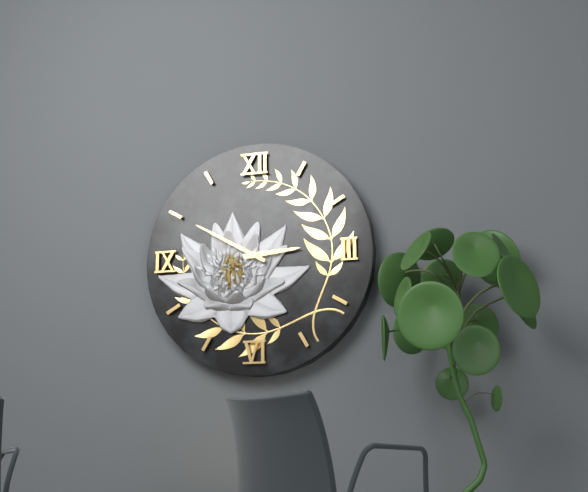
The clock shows 2:50
